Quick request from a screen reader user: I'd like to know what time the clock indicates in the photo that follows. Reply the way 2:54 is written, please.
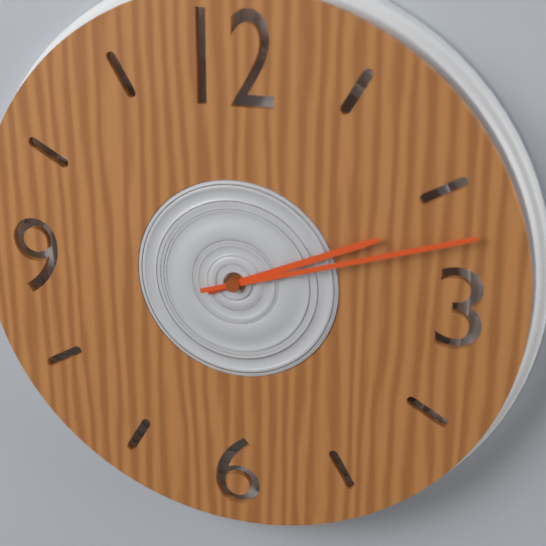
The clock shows 2:12
